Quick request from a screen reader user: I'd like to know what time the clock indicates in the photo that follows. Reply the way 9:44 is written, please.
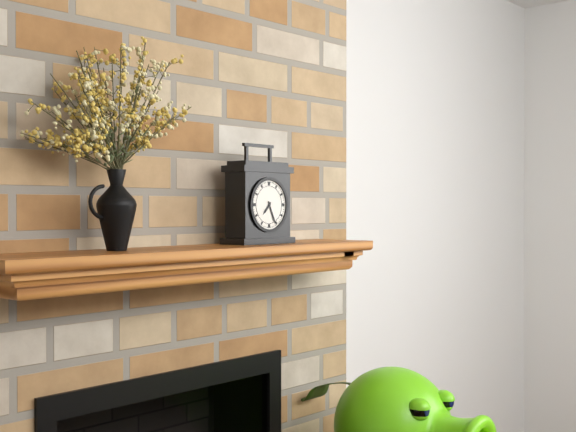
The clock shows 7:26
